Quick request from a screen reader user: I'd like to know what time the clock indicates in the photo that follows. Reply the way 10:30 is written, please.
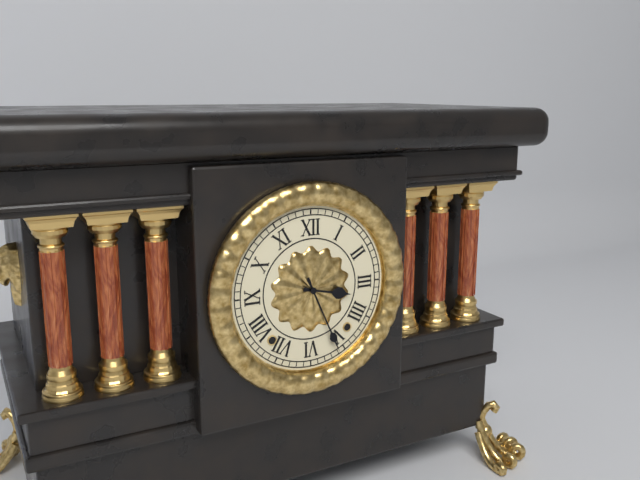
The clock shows 3:26
